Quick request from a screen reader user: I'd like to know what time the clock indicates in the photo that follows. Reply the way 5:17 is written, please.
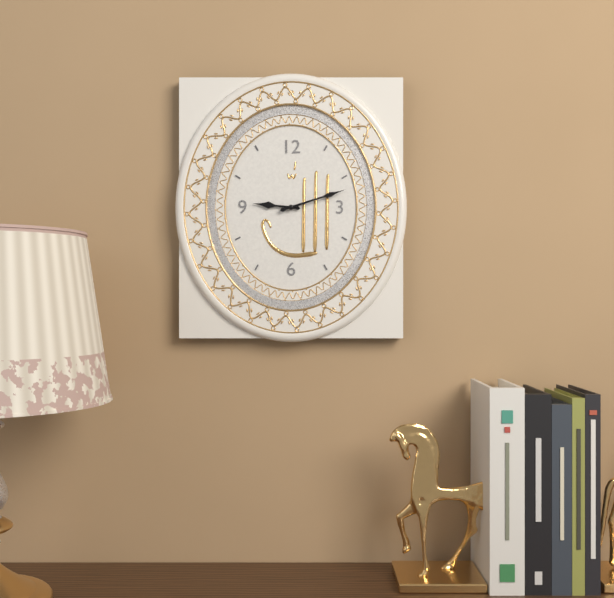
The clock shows 9:12
